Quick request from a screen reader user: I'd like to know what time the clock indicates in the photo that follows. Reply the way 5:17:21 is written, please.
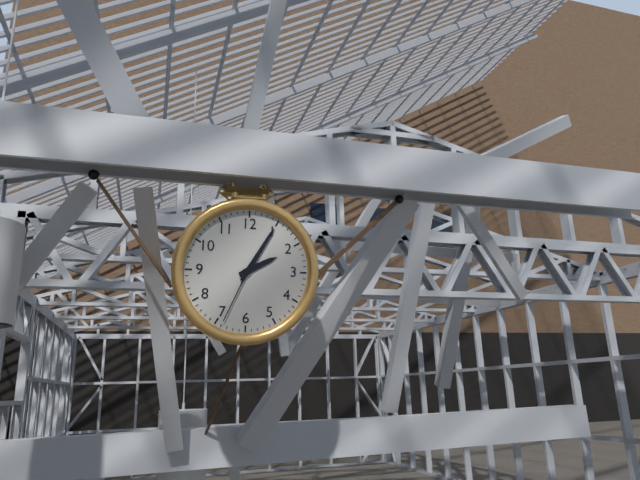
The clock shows 2:05:34
